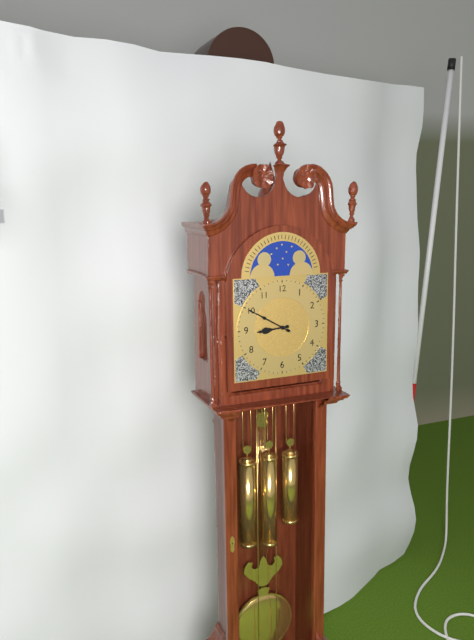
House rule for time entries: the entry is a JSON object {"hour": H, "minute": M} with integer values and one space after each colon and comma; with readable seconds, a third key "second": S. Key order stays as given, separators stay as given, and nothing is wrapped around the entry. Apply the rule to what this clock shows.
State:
{"hour": 8, "minute": 50}
